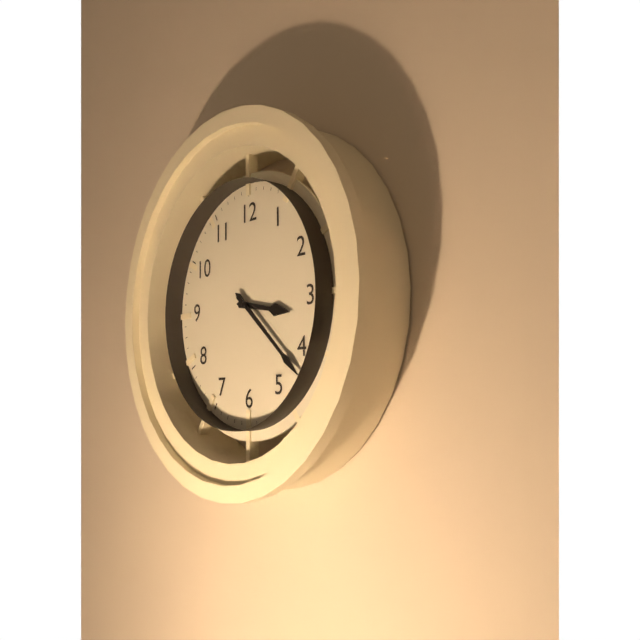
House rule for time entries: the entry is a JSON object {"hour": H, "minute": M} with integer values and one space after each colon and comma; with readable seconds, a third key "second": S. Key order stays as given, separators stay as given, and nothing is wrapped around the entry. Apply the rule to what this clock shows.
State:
{"hour": 3, "minute": 22}
